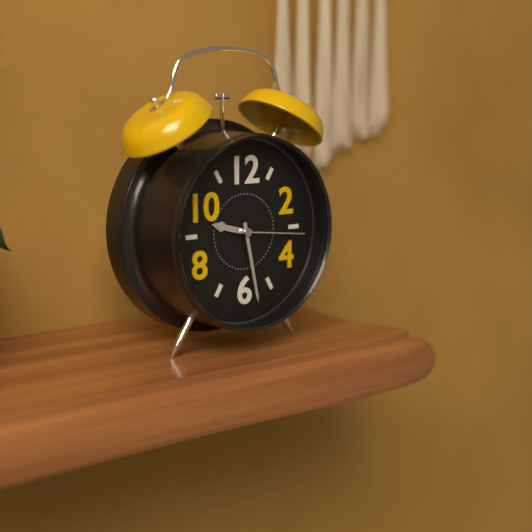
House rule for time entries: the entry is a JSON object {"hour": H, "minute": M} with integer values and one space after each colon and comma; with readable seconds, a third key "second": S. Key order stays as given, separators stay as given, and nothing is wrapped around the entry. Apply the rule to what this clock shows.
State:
{"hour": 9, "minute": 28, "second": 16}
